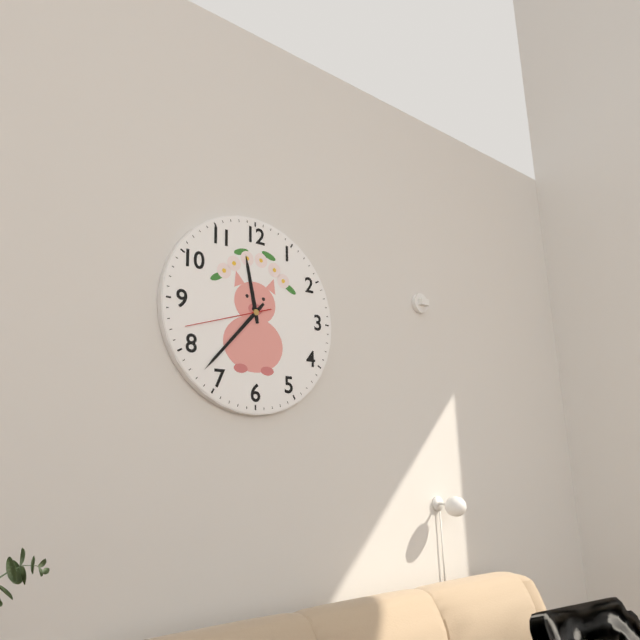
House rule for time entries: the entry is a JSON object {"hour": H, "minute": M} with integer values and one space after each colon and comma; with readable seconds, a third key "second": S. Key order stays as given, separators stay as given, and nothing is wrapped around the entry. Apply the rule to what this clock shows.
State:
{"hour": 11, "minute": 37, "second": 42}
